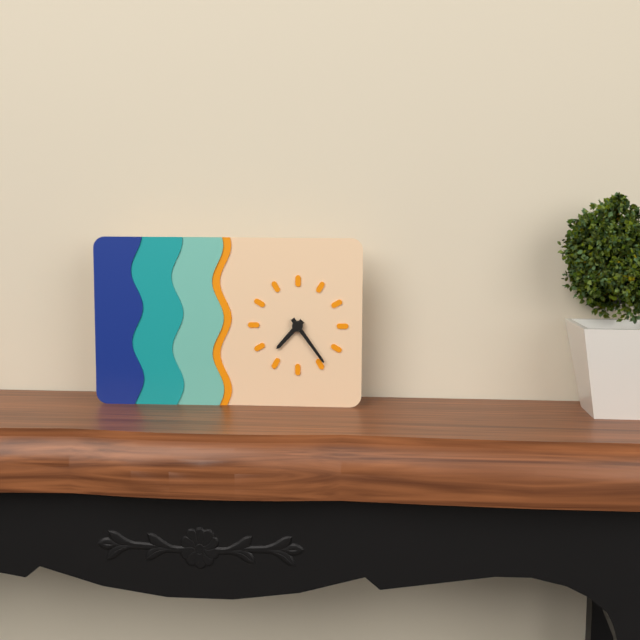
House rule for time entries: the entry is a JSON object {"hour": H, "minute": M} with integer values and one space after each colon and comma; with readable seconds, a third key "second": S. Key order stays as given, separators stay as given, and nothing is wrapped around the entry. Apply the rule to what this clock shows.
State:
{"hour": 7, "minute": 24}
